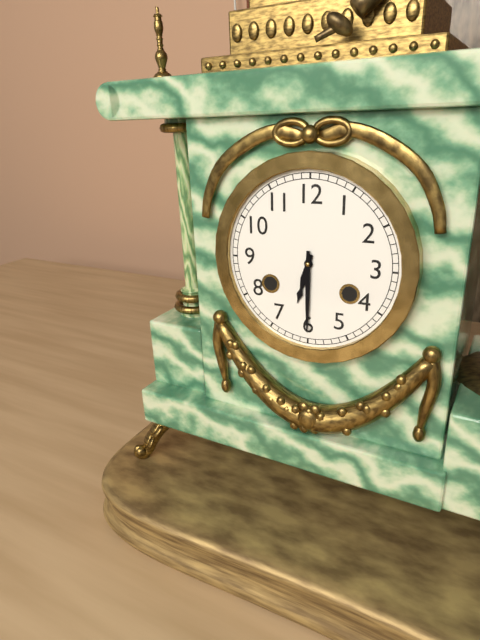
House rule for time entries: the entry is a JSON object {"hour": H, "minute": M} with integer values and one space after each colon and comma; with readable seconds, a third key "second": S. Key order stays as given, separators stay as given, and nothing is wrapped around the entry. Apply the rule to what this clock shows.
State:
{"hour": 6, "minute": 30}
